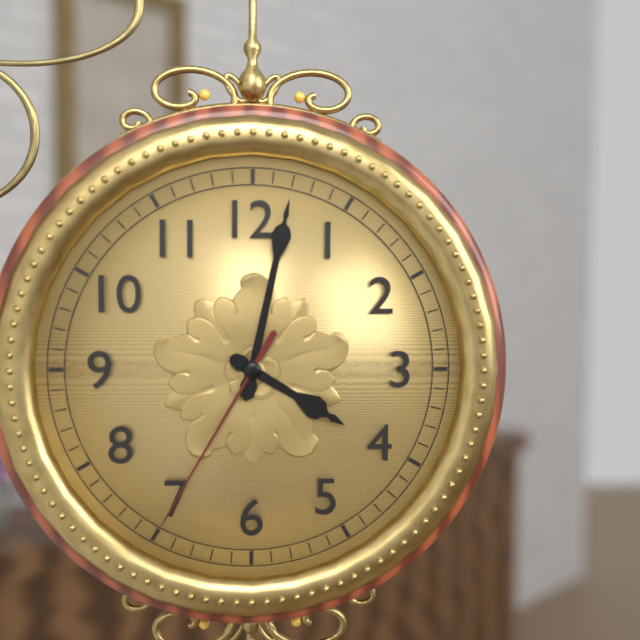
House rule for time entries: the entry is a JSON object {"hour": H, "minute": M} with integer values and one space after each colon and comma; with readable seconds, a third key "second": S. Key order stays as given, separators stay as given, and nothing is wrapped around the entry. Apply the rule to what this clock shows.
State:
{"hour": 4, "minute": 2, "second": 35}
